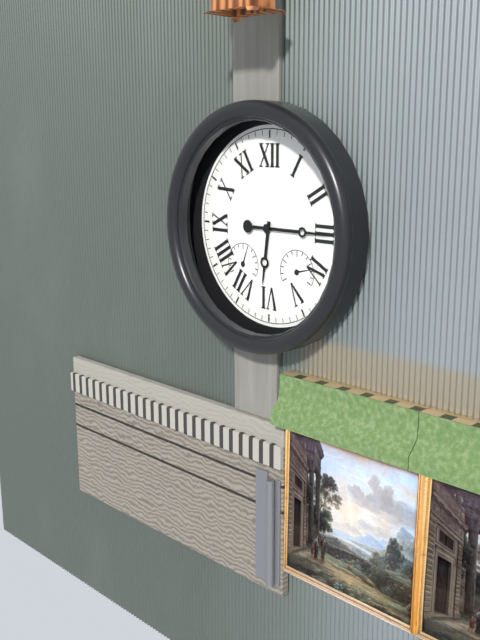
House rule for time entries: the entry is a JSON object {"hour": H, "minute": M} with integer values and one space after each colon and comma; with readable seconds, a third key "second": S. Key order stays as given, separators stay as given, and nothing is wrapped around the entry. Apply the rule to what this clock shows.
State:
{"hour": 6, "minute": 15}
